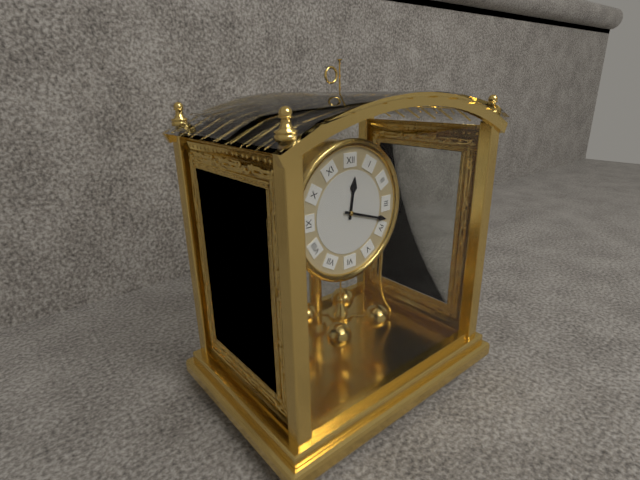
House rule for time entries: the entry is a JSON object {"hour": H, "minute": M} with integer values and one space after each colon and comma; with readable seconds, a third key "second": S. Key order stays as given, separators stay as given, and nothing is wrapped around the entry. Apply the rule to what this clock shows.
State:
{"hour": 12, "minute": 18}
